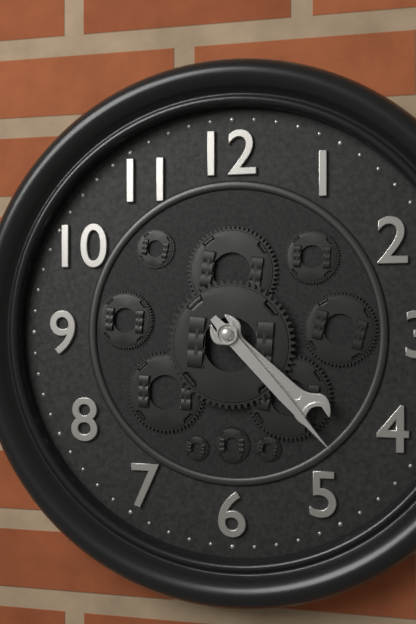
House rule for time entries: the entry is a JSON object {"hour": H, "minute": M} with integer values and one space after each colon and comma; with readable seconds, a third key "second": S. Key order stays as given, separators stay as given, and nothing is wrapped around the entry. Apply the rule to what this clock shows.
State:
{"hour": 4, "minute": 23}
